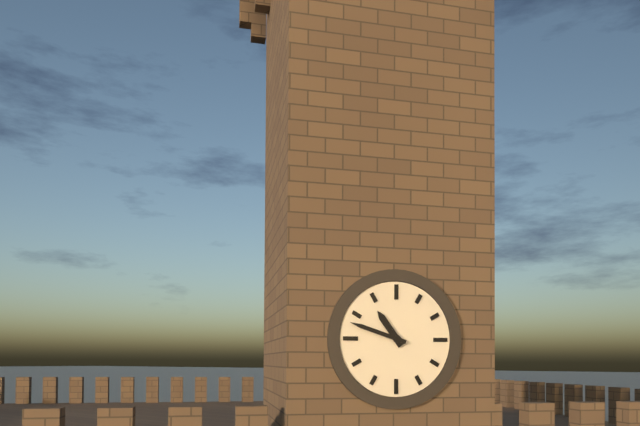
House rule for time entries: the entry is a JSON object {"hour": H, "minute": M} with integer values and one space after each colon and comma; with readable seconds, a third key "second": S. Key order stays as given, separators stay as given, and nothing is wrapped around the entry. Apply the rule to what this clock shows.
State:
{"hour": 10, "minute": 48}
